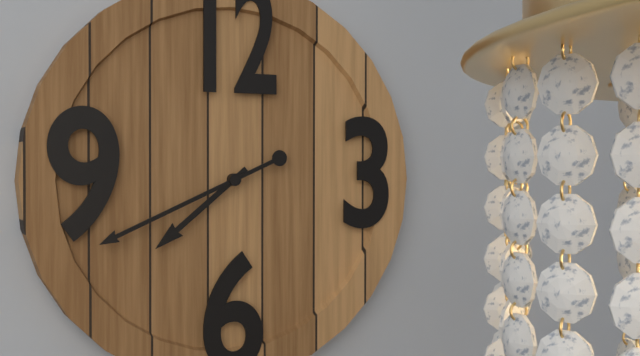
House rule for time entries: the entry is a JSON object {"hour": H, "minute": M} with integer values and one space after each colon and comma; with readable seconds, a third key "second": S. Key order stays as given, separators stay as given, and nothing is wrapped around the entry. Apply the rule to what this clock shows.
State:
{"hour": 7, "minute": 41}
